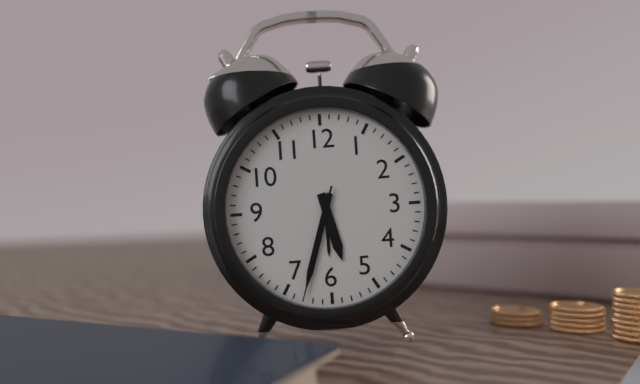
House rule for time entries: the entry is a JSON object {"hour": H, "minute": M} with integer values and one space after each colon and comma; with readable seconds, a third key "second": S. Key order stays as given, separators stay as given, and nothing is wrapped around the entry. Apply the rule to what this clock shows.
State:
{"hour": 5, "minute": 33, "second": 33}
